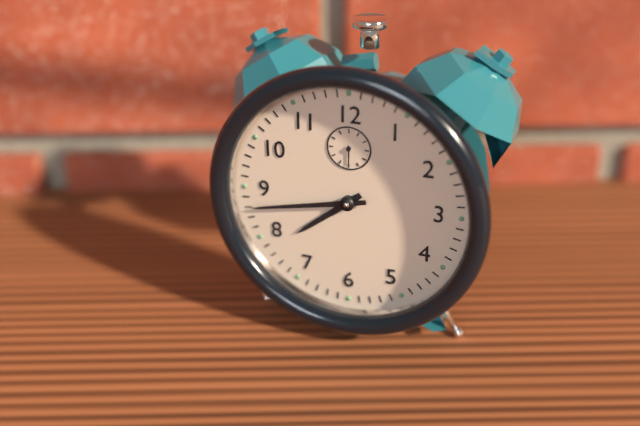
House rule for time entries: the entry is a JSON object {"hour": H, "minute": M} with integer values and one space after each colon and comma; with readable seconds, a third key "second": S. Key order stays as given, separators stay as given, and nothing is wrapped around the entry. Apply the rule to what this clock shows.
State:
{"hour": 7, "minute": 43}
